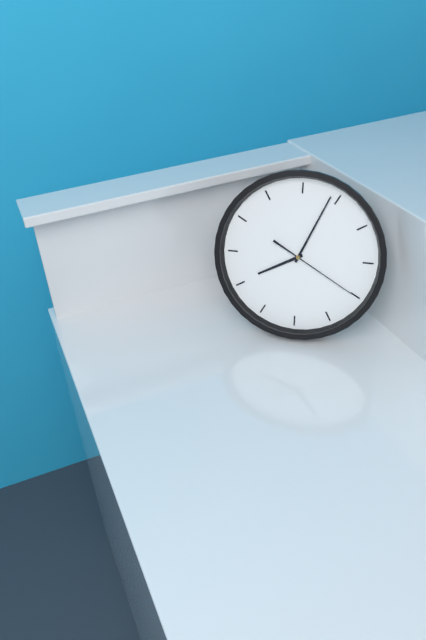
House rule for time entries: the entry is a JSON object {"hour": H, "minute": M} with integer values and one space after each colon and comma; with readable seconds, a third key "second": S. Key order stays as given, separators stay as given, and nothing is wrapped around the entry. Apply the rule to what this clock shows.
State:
{"hour": 8, "minute": 4, "second": 20}
